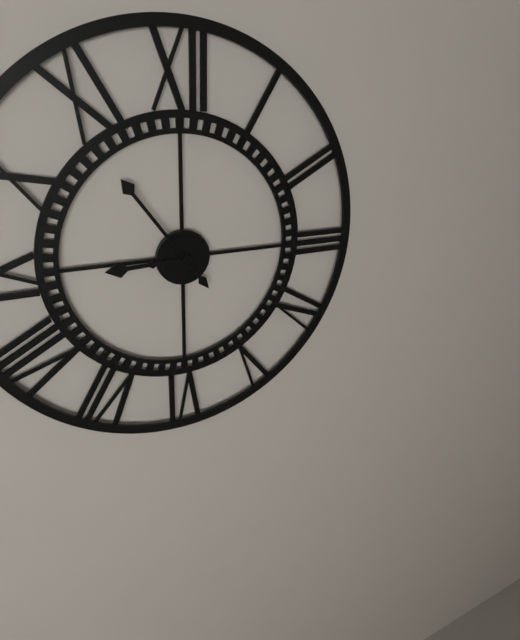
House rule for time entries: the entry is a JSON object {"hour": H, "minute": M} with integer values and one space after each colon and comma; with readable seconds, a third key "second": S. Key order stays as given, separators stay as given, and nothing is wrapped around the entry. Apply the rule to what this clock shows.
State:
{"hour": 8, "minute": 54}
